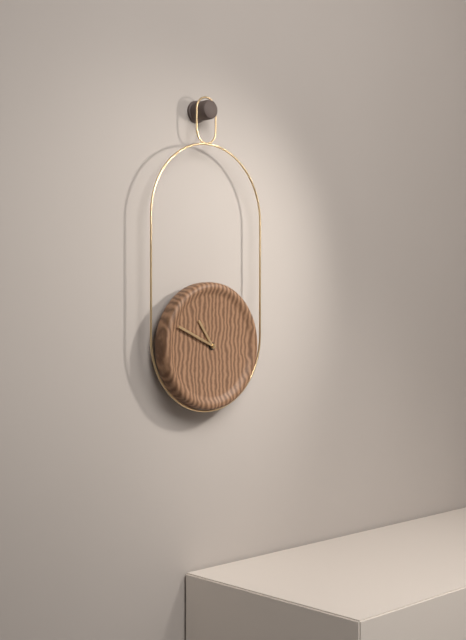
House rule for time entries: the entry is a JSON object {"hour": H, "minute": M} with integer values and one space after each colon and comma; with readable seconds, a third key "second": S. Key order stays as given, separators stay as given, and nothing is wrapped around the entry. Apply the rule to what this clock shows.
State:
{"hour": 10, "minute": 49}
